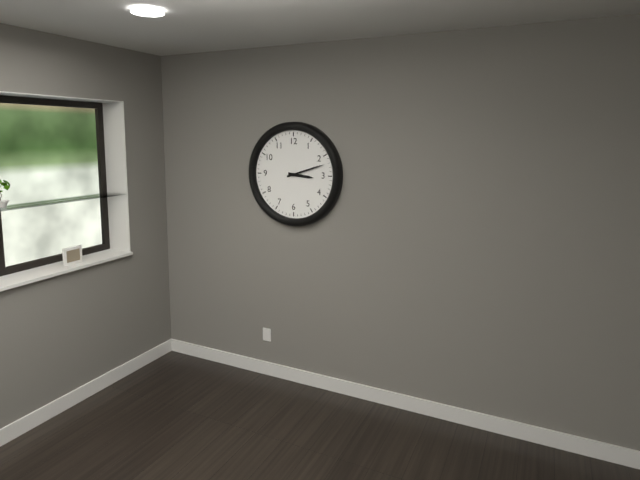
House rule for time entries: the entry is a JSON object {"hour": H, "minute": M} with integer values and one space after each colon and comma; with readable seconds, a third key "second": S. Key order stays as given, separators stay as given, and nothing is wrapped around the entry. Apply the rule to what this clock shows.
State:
{"hour": 3, "minute": 12}
